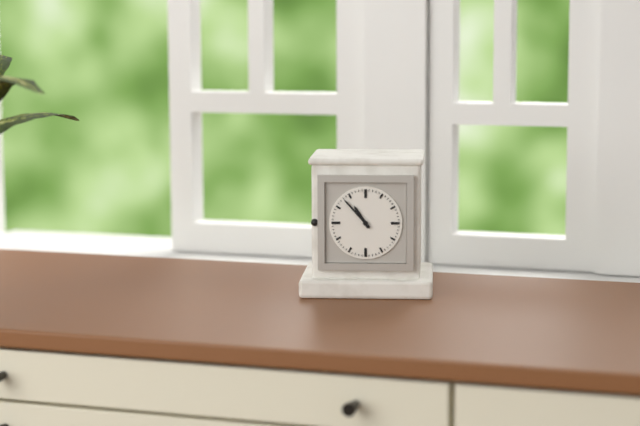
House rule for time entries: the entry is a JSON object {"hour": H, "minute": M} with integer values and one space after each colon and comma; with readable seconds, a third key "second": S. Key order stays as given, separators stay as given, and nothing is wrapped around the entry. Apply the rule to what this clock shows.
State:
{"hour": 10, "minute": 53}
